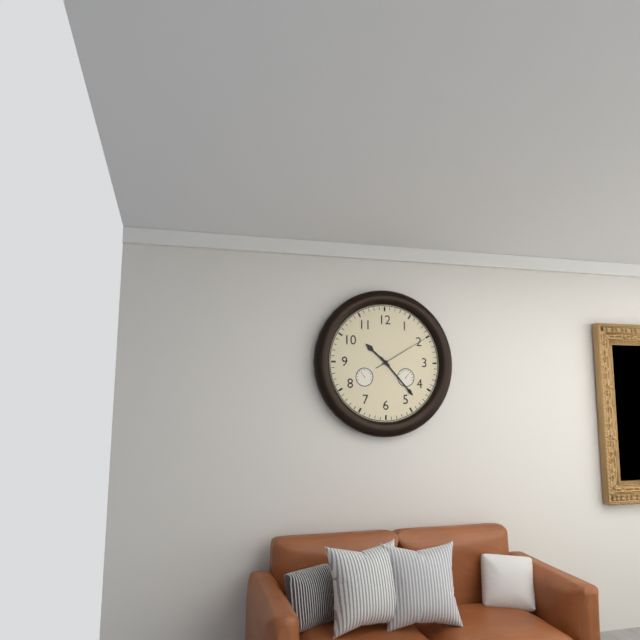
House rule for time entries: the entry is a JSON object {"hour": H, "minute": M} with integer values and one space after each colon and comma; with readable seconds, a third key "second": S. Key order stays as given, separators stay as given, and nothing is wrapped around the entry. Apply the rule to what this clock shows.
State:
{"hour": 10, "minute": 23, "second": 10}
